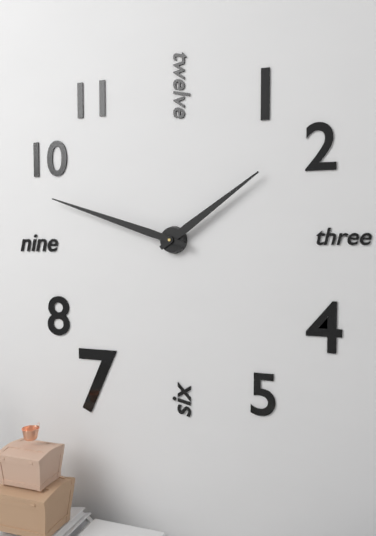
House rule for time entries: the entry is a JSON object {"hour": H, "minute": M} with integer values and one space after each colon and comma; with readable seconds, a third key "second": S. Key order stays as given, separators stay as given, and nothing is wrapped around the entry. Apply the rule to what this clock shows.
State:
{"hour": 1, "minute": 48}
